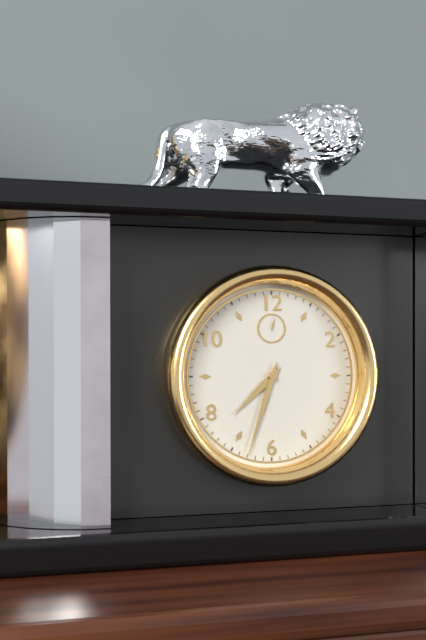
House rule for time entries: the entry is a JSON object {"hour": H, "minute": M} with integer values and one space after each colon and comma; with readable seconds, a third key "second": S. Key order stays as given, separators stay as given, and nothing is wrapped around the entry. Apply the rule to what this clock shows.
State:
{"hour": 7, "minute": 33}
